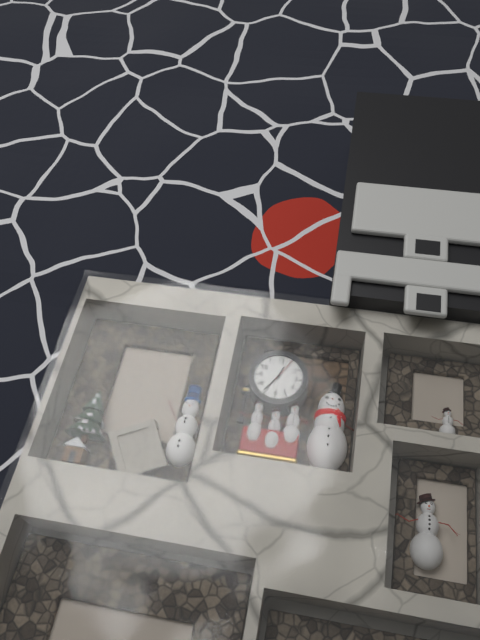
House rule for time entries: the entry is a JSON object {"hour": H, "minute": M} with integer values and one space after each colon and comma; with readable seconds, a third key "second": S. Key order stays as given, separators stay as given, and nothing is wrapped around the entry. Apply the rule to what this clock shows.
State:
{"hour": 12, "minute": 36}
